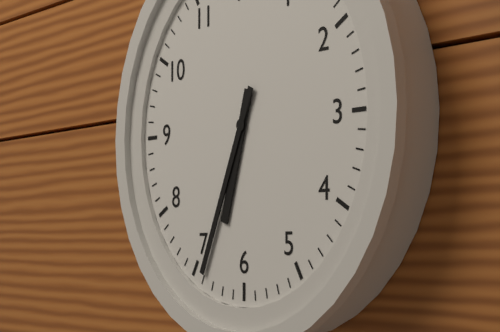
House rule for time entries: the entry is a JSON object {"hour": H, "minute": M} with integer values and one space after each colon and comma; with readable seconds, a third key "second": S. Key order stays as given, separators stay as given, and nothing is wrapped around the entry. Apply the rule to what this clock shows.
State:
{"hour": 6, "minute": 34}
